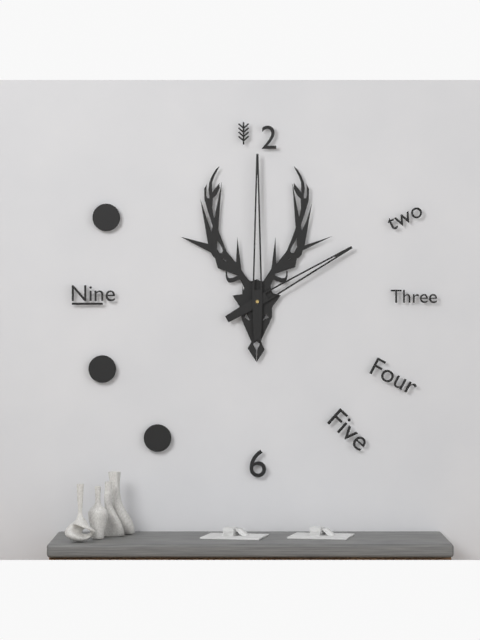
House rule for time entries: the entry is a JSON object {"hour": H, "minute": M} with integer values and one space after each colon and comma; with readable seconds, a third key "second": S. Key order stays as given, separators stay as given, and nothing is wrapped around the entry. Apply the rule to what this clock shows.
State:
{"hour": 2, "minute": 0}
